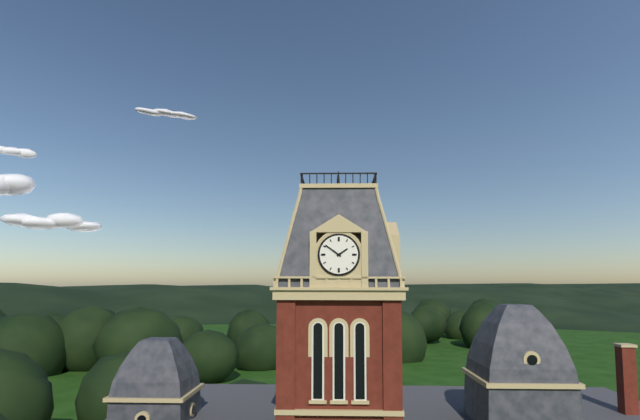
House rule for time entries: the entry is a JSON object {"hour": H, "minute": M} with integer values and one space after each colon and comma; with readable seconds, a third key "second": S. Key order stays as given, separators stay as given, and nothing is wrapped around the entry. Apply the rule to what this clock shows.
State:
{"hour": 1, "minute": 51}
